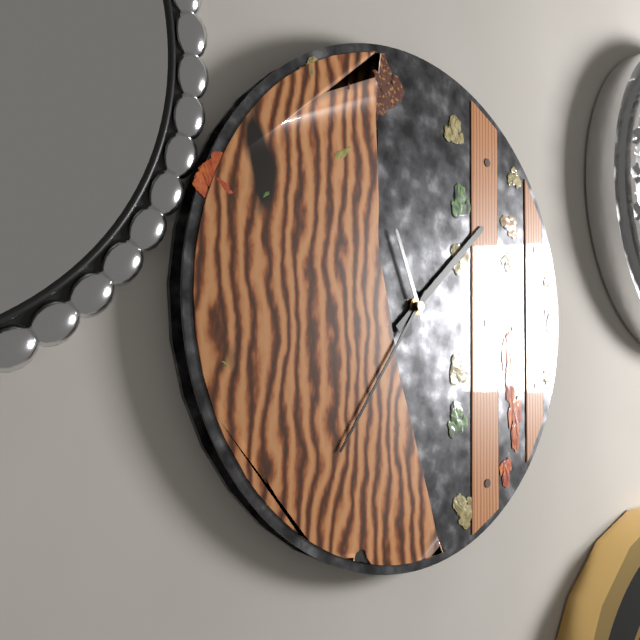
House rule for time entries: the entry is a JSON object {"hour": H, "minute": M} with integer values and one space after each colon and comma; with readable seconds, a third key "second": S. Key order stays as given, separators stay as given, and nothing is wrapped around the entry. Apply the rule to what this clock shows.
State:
{"hour": 1, "minute": 36, "second": 56}
